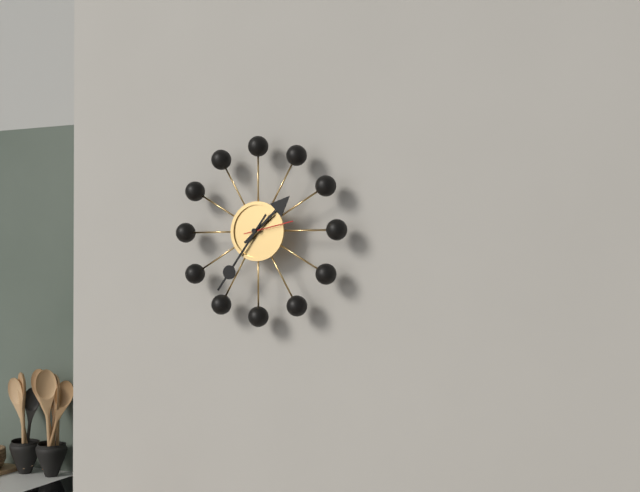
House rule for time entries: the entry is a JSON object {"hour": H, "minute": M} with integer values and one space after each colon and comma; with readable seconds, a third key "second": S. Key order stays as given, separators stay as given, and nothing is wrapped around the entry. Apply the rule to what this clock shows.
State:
{"hour": 1, "minute": 36}
